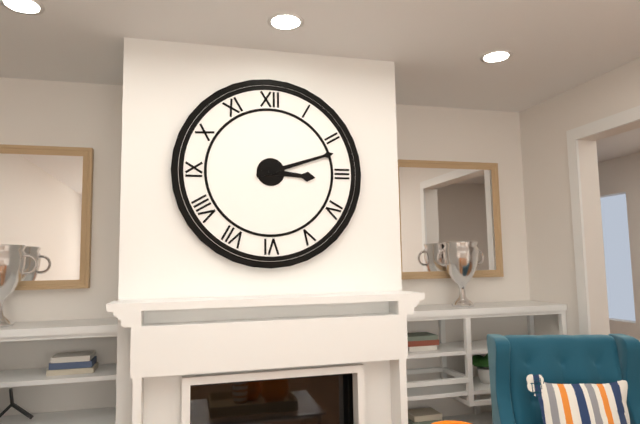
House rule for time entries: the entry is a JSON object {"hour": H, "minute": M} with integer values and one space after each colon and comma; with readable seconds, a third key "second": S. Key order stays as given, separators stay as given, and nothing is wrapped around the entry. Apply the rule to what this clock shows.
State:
{"hour": 3, "minute": 12}
